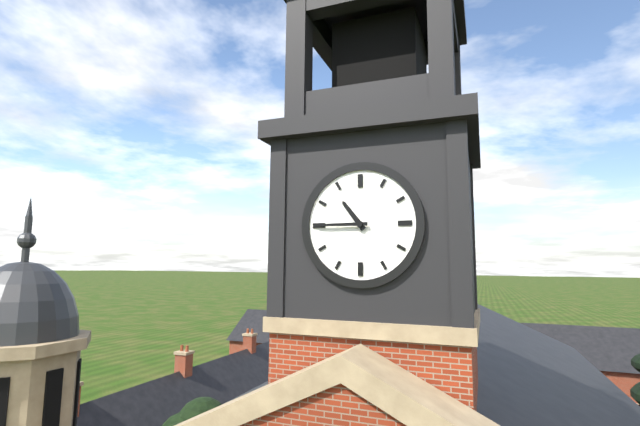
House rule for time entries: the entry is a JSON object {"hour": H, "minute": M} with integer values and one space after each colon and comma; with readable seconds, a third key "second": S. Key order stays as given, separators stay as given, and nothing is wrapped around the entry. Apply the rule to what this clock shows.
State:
{"hour": 10, "minute": 45}
